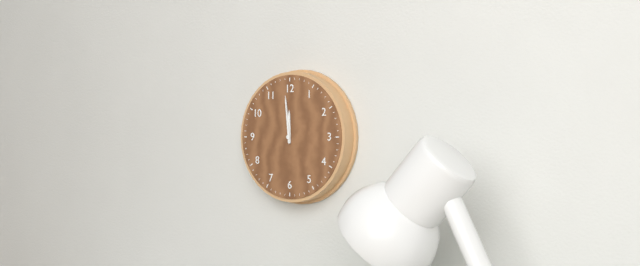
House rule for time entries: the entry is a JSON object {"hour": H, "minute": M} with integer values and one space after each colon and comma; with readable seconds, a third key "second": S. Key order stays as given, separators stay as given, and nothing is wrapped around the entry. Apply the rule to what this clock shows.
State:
{"hour": 11, "minute": 59}
